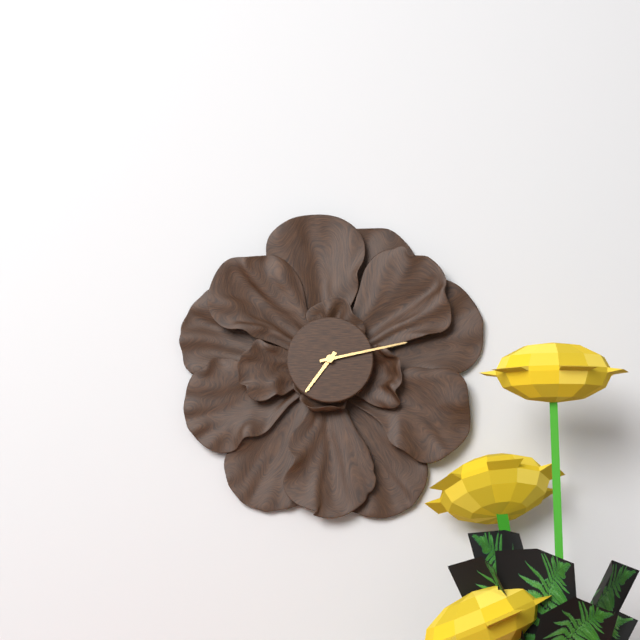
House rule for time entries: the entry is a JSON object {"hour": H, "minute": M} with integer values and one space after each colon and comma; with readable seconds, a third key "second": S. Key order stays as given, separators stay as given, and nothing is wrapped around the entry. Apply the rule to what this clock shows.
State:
{"hour": 7, "minute": 13}
